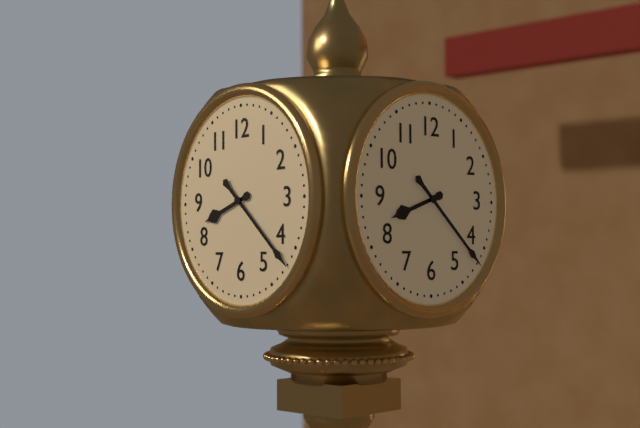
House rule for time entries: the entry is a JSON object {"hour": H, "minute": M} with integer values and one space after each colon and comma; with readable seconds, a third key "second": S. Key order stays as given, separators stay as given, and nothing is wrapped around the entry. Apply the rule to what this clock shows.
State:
{"hour": 8, "minute": 22}
